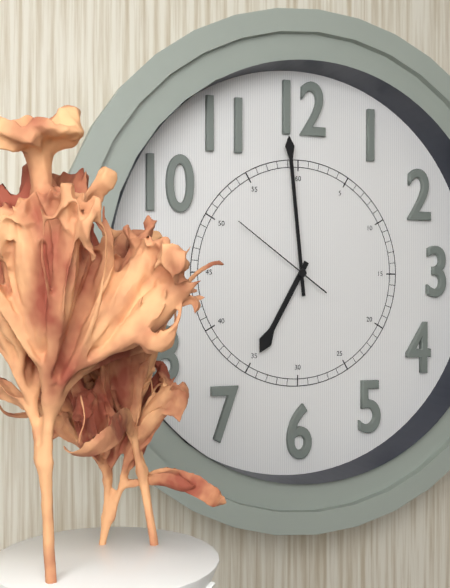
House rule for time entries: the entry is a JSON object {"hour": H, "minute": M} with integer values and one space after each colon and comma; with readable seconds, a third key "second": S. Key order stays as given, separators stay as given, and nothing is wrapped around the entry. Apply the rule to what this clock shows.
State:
{"hour": 6, "minute": 59, "second": 51}
